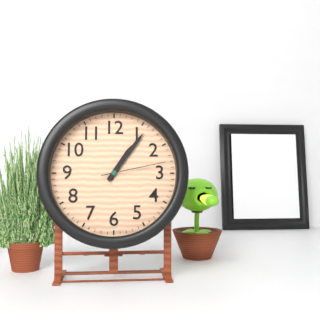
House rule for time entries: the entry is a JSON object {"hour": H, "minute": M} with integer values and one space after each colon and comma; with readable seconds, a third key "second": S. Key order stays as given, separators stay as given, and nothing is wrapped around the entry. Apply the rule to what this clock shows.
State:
{"hour": 1, "minute": 6, "second": 13}
